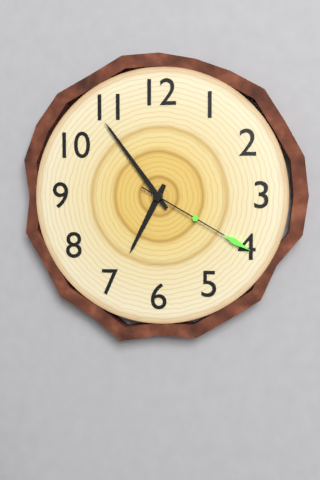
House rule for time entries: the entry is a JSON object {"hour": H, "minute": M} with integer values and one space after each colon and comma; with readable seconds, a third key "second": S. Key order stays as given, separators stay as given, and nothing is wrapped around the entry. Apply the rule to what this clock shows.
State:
{"hour": 6, "minute": 54, "second": 20}
